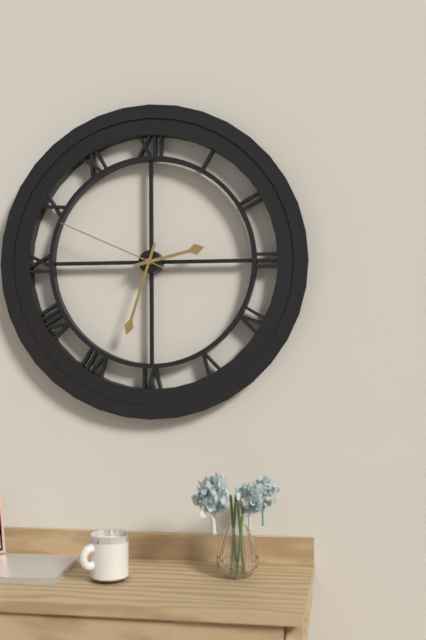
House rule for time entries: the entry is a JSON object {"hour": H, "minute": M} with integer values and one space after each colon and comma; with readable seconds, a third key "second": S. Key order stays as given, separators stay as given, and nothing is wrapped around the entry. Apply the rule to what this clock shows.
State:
{"hour": 2, "minute": 33, "second": 49}
